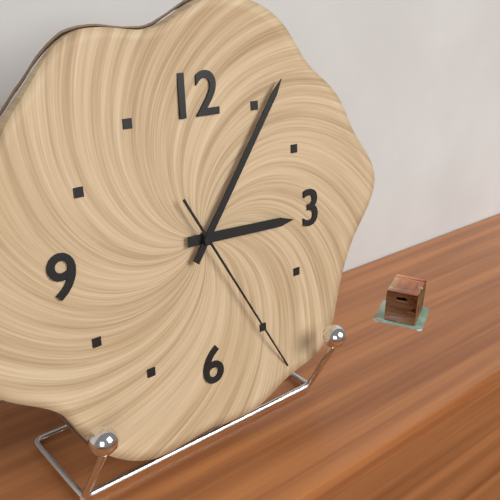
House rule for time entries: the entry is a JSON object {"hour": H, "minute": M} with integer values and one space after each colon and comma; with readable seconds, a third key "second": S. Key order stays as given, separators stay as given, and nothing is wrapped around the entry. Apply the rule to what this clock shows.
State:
{"hour": 3, "minute": 6, "second": 25}
